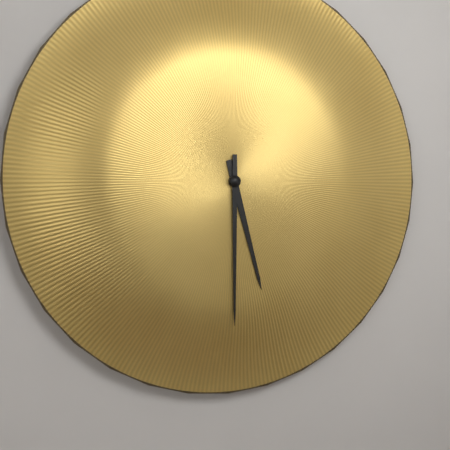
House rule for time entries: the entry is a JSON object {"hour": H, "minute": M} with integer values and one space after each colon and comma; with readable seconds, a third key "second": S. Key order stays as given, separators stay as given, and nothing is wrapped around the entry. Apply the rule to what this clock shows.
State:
{"hour": 5, "minute": 30}
